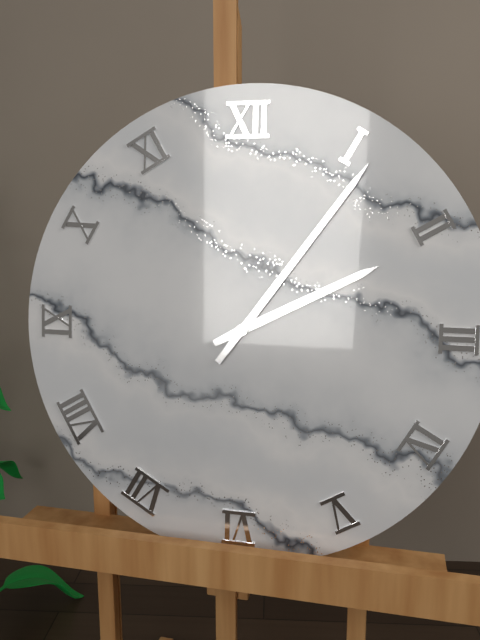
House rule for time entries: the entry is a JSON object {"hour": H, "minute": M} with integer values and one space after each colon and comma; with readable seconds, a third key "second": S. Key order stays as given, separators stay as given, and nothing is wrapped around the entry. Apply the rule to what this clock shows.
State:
{"hour": 2, "minute": 6}
